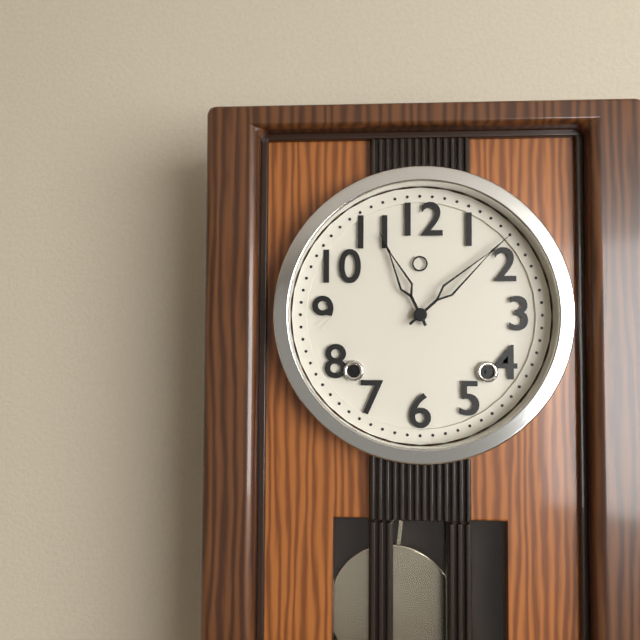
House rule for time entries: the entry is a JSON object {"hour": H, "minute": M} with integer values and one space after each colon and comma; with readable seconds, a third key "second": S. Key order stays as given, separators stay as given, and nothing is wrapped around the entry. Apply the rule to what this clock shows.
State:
{"hour": 11, "minute": 8}
